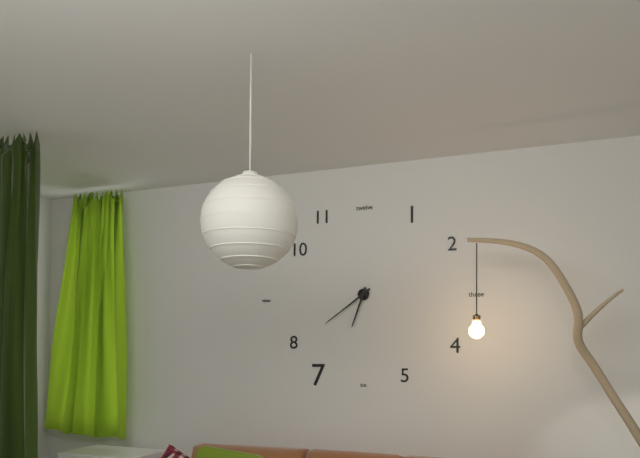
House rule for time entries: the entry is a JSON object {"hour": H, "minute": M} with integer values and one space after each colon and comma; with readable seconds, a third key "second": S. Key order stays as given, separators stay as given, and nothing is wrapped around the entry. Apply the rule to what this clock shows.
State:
{"hour": 6, "minute": 39}
